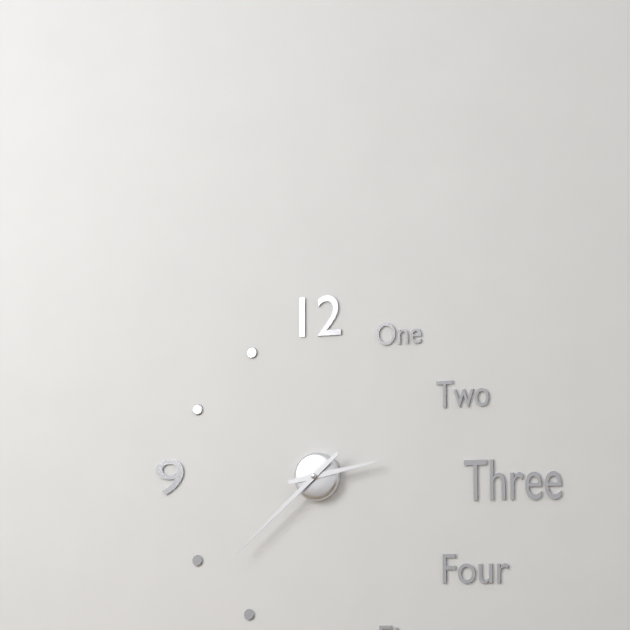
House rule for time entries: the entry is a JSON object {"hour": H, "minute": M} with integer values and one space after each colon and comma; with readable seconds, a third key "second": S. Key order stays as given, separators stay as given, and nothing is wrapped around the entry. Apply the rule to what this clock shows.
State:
{"hour": 2, "minute": 38}
